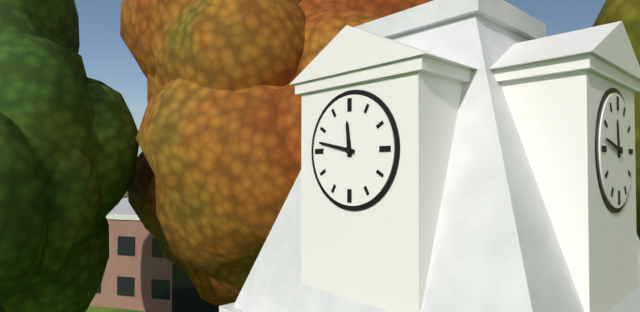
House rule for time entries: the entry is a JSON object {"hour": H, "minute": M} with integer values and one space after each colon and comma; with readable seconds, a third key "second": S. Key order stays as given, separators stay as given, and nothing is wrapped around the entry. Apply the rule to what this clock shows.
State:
{"hour": 11, "minute": 47}
